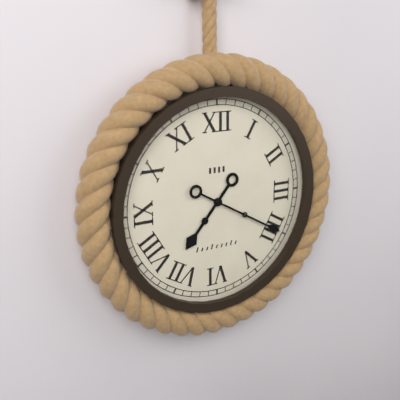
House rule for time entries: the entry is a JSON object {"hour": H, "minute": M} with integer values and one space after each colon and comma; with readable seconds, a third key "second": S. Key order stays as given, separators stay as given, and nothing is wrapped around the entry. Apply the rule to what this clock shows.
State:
{"hour": 7, "minute": 20}
